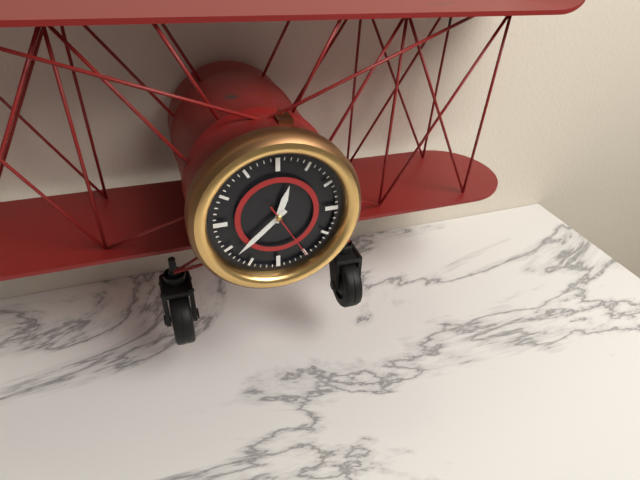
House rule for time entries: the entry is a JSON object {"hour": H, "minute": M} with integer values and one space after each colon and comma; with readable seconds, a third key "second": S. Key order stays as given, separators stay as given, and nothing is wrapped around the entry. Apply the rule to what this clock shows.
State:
{"hour": 12, "minute": 38, "second": 25}
